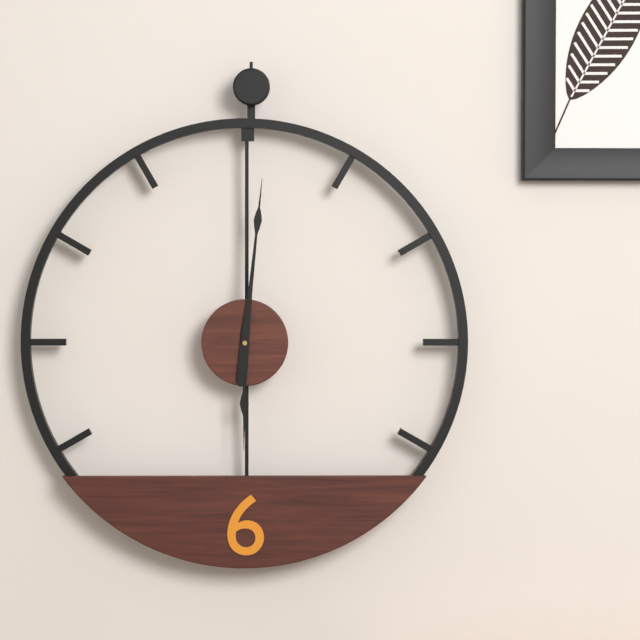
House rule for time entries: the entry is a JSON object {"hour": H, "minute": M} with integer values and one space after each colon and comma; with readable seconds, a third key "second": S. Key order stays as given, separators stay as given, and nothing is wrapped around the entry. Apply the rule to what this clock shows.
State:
{"hour": 6, "minute": 1}
